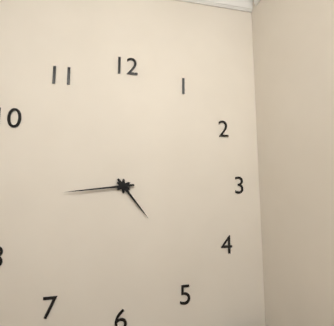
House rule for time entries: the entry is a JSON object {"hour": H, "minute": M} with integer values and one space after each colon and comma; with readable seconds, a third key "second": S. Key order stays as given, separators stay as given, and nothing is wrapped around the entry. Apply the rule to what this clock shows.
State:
{"hour": 4, "minute": 44}
